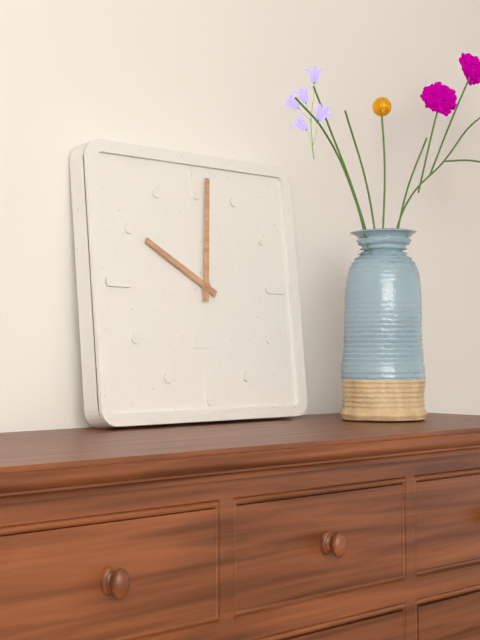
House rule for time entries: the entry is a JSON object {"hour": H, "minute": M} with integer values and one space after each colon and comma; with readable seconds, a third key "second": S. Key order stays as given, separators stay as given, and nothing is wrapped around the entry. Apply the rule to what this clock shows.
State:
{"hour": 10, "minute": 1}
